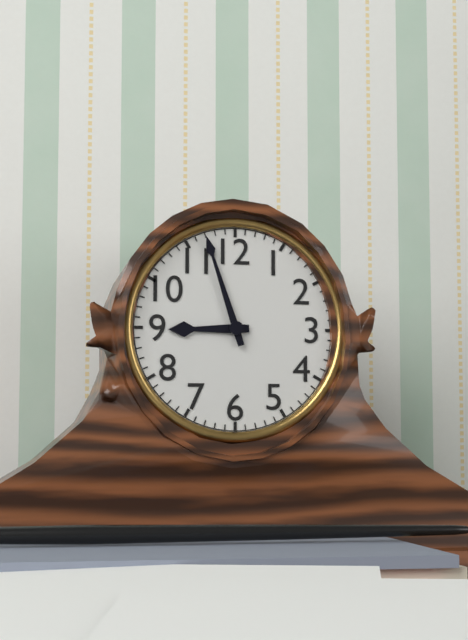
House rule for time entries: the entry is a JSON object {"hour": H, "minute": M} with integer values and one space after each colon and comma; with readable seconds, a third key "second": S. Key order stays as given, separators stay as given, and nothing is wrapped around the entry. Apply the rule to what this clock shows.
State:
{"hour": 8, "minute": 57}
